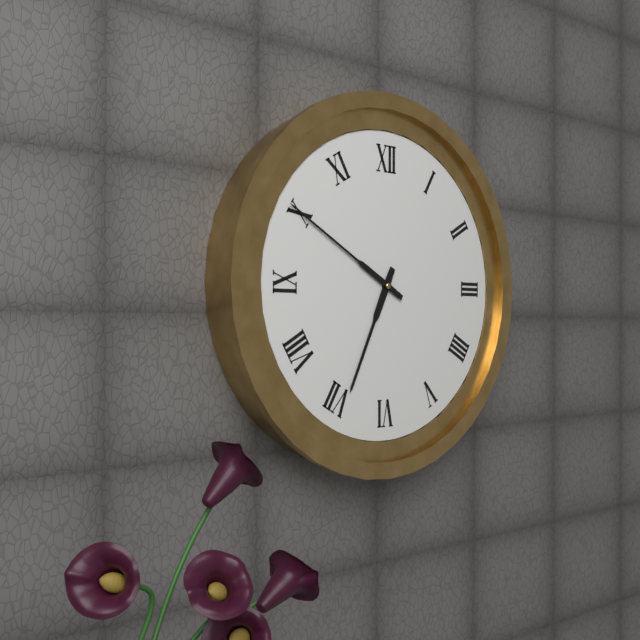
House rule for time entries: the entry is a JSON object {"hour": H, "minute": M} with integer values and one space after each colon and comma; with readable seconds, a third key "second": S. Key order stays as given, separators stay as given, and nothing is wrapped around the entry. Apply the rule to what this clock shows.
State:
{"hour": 6, "minute": 50}
